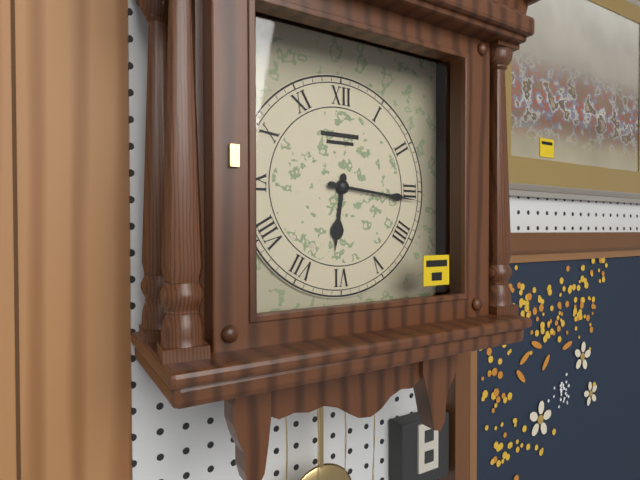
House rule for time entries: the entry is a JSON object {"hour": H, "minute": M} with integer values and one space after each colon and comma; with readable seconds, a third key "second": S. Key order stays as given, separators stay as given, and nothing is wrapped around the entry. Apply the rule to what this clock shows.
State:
{"hour": 6, "minute": 16}
